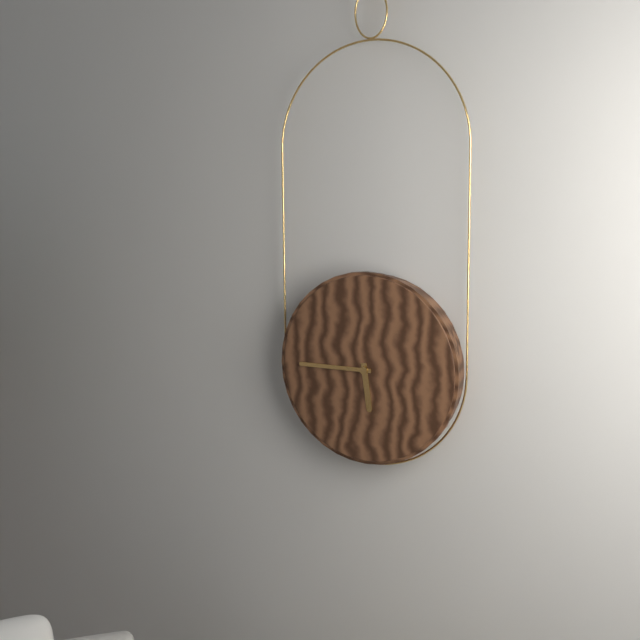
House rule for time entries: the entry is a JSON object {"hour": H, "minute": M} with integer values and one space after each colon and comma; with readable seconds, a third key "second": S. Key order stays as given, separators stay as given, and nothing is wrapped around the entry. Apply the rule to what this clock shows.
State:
{"hour": 5, "minute": 45}
